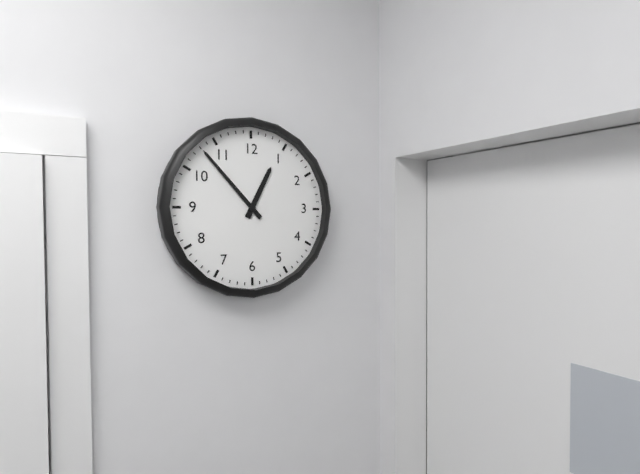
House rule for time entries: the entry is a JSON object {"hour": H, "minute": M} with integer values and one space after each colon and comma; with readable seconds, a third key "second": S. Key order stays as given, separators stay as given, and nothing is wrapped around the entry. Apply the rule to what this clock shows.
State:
{"hour": 12, "minute": 53}
